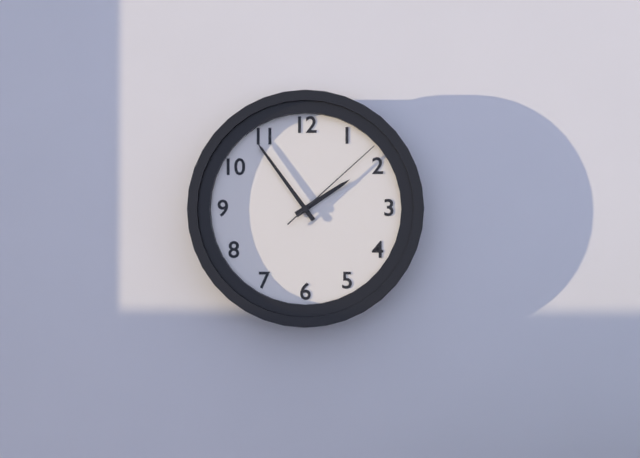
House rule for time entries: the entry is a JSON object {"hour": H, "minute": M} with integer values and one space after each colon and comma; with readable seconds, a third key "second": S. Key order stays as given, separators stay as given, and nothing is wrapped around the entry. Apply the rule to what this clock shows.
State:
{"hour": 1, "minute": 54, "second": 8}
